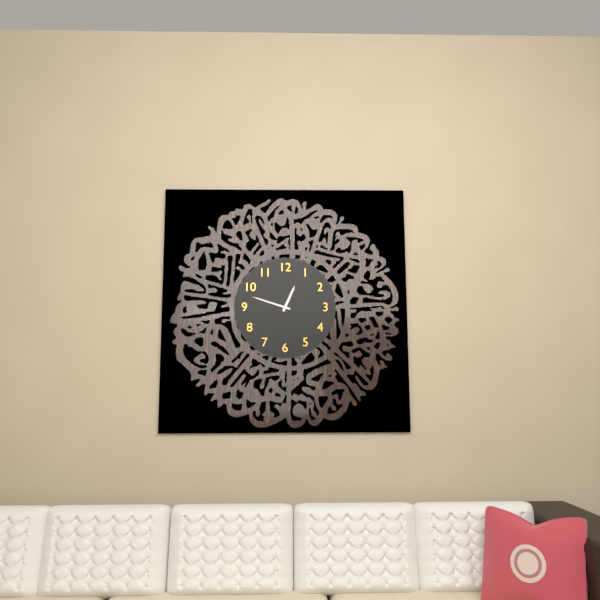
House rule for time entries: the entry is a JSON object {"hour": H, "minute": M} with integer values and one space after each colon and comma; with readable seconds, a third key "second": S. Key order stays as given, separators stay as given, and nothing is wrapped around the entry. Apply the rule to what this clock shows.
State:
{"hour": 12, "minute": 48}
